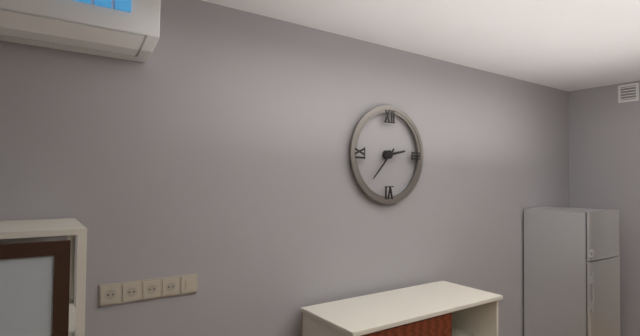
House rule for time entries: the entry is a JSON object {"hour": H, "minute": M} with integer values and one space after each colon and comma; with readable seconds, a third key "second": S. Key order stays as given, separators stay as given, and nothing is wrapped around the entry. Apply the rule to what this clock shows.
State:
{"hour": 2, "minute": 37}
